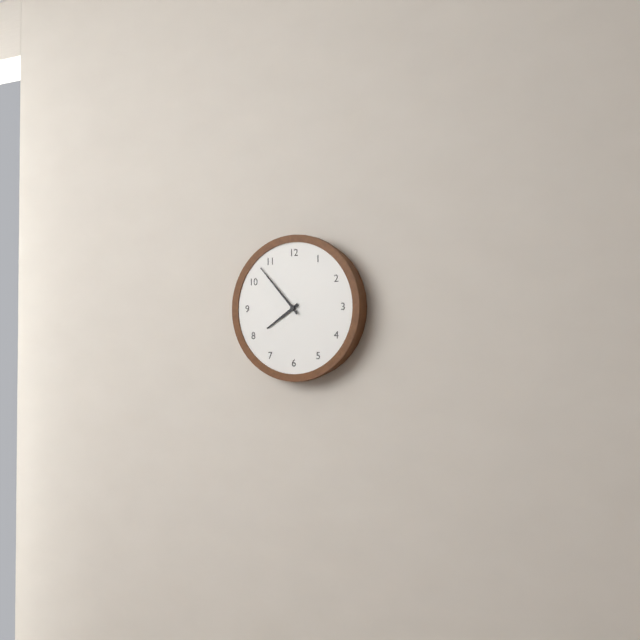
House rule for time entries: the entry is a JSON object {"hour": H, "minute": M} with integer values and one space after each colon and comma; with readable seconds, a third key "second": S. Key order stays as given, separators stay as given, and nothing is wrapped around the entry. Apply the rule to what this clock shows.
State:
{"hour": 7, "minute": 53}
